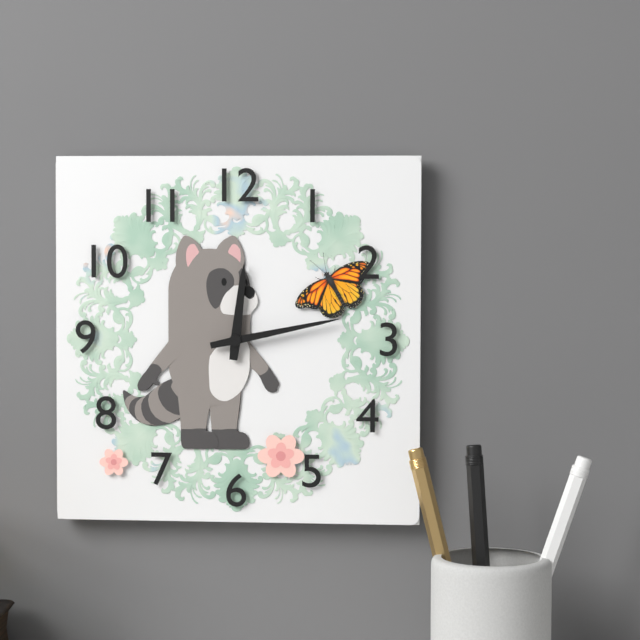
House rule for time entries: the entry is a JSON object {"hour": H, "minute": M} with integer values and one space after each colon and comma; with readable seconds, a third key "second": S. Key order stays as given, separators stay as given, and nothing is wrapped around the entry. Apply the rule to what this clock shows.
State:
{"hour": 12, "minute": 13}
